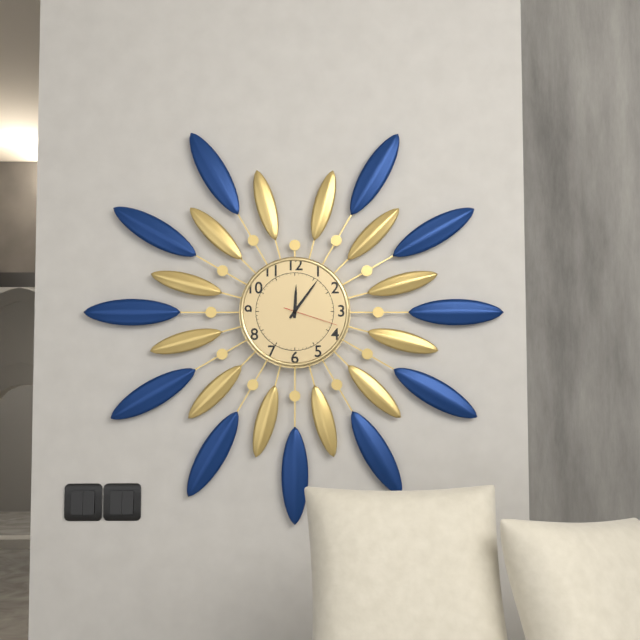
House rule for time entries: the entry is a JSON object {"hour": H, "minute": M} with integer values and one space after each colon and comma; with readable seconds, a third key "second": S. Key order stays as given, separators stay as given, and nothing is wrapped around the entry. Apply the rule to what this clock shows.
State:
{"hour": 12, "minute": 6, "second": 18}
